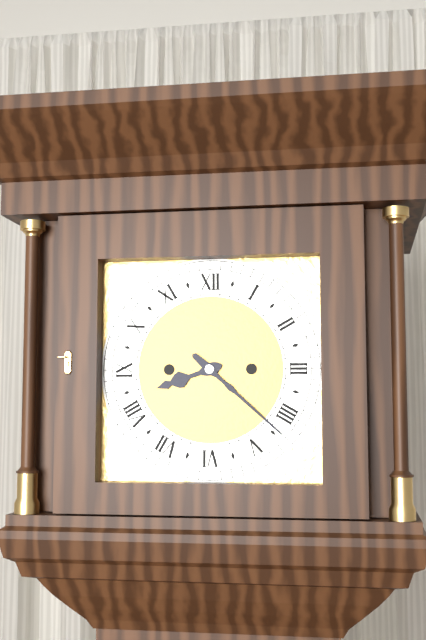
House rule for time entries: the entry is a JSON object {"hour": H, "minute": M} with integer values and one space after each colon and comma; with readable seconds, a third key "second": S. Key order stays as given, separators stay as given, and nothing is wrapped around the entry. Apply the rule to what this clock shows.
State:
{"hour": 8, "minute": 22}
